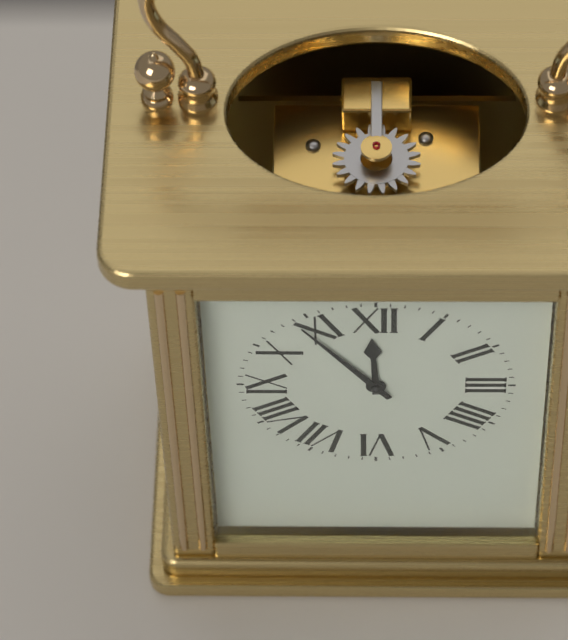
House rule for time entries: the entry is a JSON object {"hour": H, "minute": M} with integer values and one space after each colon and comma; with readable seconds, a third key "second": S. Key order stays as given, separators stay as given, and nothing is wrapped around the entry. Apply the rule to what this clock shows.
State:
{"hour": 11, "minute": 54}
